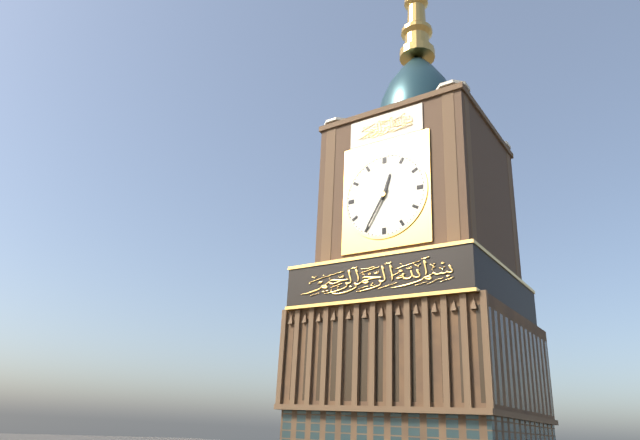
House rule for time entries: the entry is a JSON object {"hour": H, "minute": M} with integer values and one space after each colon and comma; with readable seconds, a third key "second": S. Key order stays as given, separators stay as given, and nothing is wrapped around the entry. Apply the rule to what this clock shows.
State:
{"hour": 12, "minute": 35}
